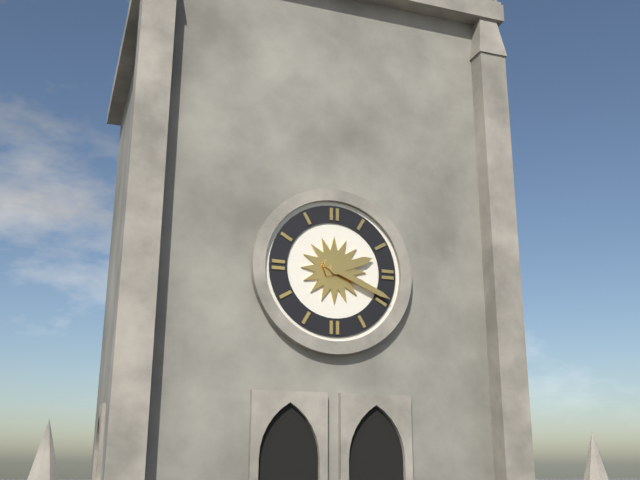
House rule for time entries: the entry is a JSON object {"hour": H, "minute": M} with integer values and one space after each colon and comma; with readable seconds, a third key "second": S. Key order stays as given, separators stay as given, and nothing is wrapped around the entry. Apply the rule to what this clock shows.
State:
{"hour": 2, "minute": 19}
